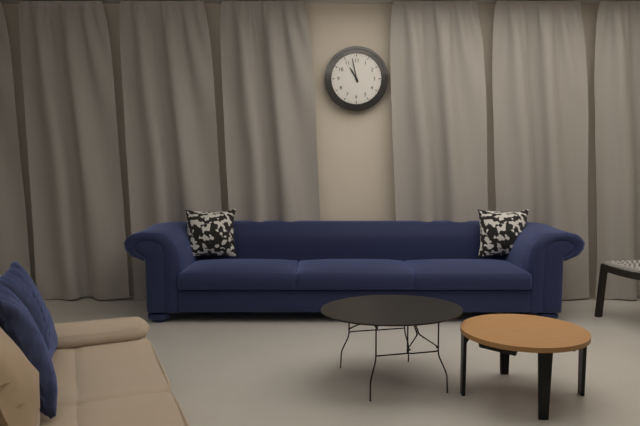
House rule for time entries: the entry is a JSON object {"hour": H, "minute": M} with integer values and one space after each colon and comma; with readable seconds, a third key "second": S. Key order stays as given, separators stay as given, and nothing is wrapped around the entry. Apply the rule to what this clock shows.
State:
{"hour": 10, "minute": 58}
